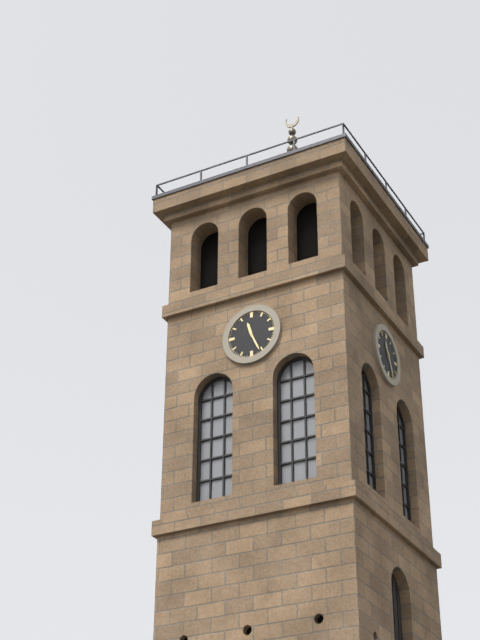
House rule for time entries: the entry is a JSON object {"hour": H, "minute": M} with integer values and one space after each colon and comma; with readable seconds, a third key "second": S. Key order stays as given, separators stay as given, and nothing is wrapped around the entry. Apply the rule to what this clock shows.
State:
{"hour": 11, "minute": 26}
